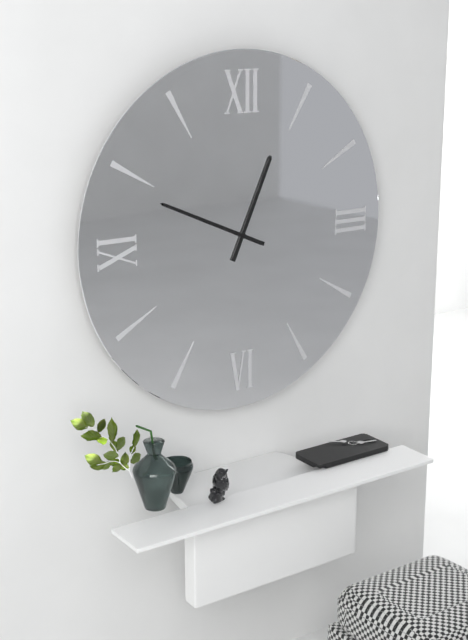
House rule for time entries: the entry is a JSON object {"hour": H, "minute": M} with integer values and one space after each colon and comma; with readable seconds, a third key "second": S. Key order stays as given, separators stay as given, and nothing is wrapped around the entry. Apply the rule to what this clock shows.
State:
{"hour": 12, "minute": 49}
